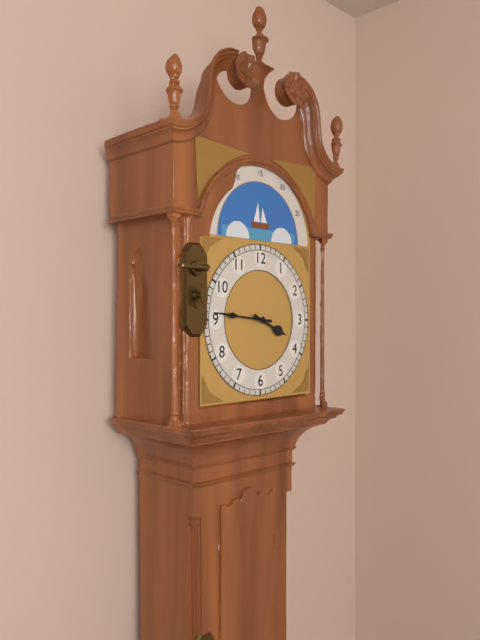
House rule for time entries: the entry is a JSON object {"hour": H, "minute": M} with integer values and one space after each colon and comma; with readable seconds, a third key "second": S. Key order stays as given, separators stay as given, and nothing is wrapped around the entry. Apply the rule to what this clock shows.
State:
{"hour": 3, "minute": 46}
